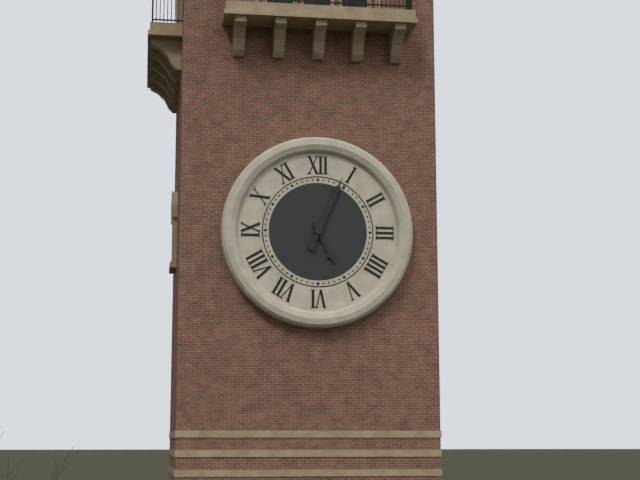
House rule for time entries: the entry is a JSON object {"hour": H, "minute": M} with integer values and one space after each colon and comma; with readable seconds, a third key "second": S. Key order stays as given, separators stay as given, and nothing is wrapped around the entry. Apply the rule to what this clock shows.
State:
{"hour": 5, "minute": 4}
